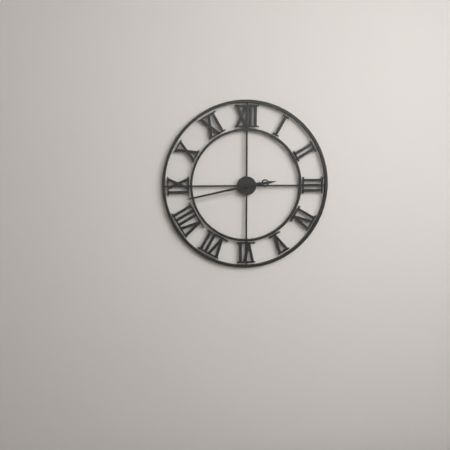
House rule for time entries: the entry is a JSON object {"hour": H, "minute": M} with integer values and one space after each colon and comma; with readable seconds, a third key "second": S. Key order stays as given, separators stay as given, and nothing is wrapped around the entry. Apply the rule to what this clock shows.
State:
{"hour": 2, "minute": 43}
